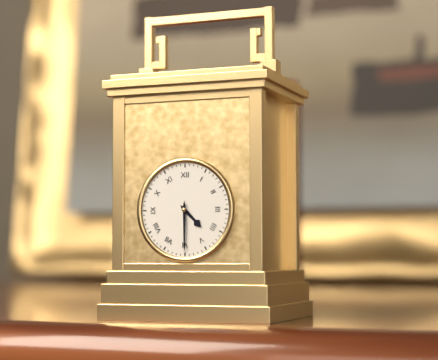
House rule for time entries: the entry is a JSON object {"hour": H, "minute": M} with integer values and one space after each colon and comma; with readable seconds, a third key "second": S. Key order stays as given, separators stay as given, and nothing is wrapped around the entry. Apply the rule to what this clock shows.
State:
{"hour": 4, "minute": 30}
